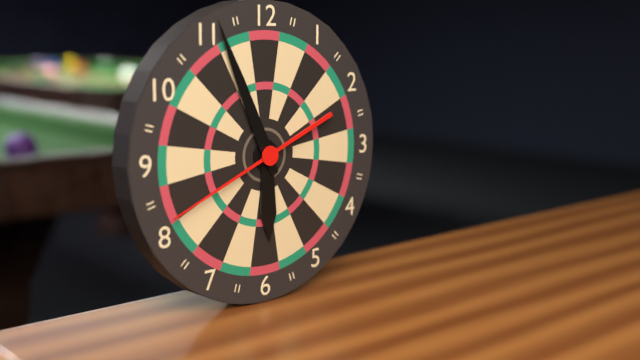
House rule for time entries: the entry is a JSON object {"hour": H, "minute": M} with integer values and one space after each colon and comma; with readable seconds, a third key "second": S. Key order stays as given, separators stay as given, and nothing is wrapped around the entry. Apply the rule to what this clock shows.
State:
{"hour": 5, "minute": 56, "second": 41}
